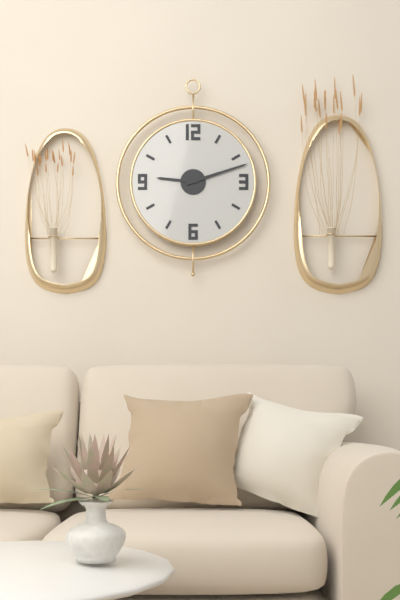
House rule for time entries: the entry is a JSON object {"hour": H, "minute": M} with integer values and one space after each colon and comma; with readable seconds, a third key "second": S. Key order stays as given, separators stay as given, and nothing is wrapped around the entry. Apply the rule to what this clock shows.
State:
{"hour": 9, "minute": 12}
